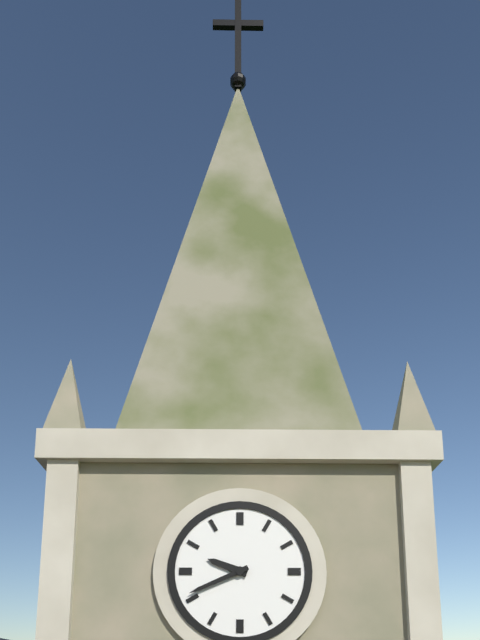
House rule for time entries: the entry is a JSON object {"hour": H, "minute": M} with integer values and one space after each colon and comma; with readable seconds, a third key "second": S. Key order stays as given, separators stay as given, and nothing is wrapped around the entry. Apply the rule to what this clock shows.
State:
{"hour": 9, "minute": 41}
